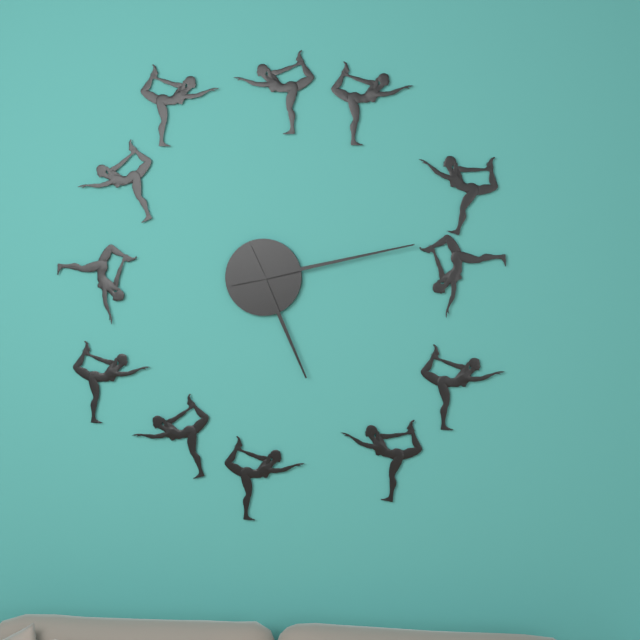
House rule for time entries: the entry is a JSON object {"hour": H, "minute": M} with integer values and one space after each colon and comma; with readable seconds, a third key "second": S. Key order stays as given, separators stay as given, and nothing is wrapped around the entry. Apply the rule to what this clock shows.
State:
{"hour": 5, "minute": 13}
